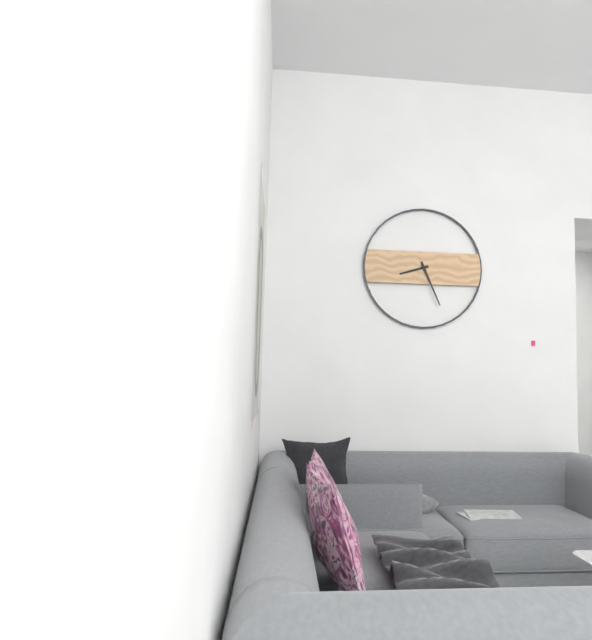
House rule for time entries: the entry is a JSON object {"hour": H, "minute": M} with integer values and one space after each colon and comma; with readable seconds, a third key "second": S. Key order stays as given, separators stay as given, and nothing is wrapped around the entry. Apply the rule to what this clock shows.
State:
{"hour": 8, "minute": 26}
